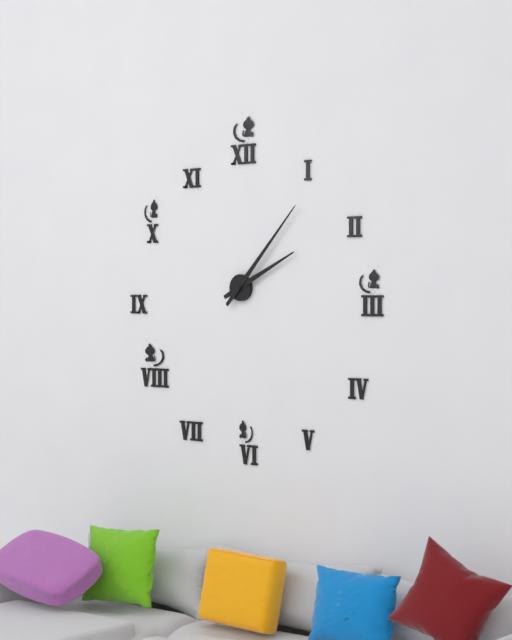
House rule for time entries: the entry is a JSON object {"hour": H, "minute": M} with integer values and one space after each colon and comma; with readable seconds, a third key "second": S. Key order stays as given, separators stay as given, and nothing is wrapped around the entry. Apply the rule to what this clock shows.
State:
{"hour": 2, "minute": 7}
